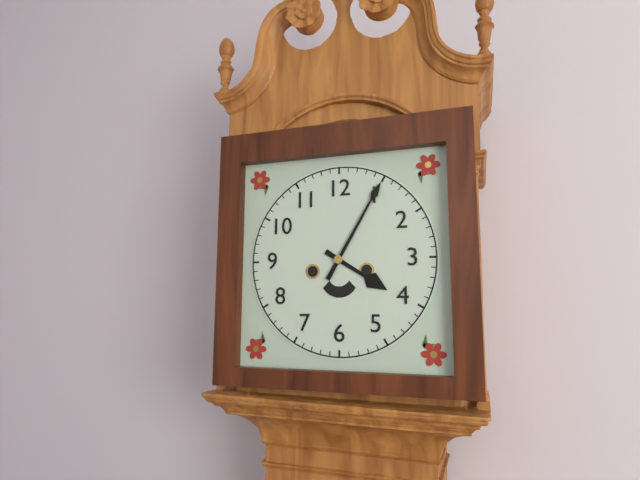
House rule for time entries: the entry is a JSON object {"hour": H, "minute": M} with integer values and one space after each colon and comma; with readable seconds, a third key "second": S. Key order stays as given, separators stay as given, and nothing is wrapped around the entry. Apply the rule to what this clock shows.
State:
{"hour": 4, "minute": 5}
